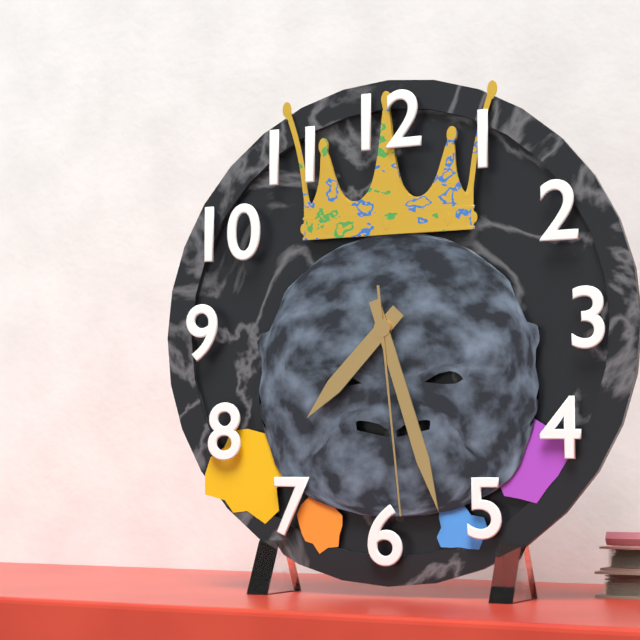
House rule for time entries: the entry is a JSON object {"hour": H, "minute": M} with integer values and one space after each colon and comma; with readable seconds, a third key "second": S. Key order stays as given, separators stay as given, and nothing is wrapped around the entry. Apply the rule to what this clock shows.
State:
{"hour": 7, "minute": 27, "second": 29}
